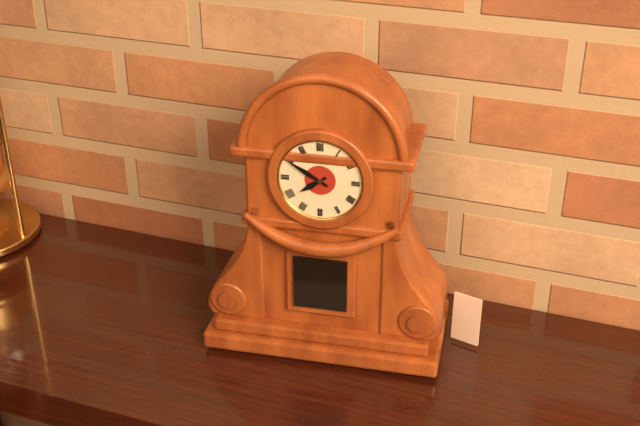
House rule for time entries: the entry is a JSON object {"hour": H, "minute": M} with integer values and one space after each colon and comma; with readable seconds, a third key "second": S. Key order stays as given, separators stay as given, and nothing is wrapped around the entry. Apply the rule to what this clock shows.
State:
{"hour": 7, "minute": 50}
